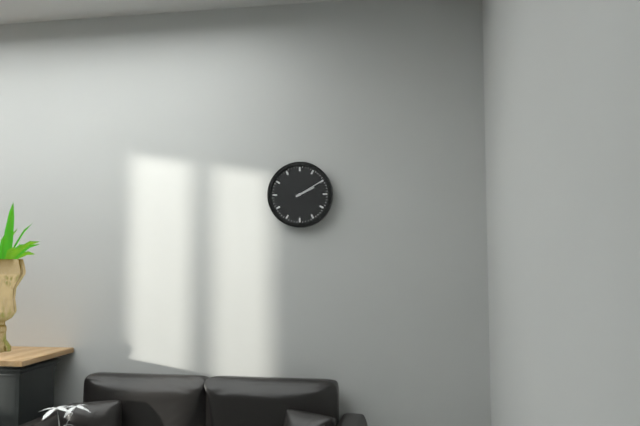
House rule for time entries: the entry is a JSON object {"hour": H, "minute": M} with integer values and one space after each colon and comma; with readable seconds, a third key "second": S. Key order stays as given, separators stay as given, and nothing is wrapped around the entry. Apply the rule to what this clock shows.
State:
{"hour": 2, "minute": 10}
